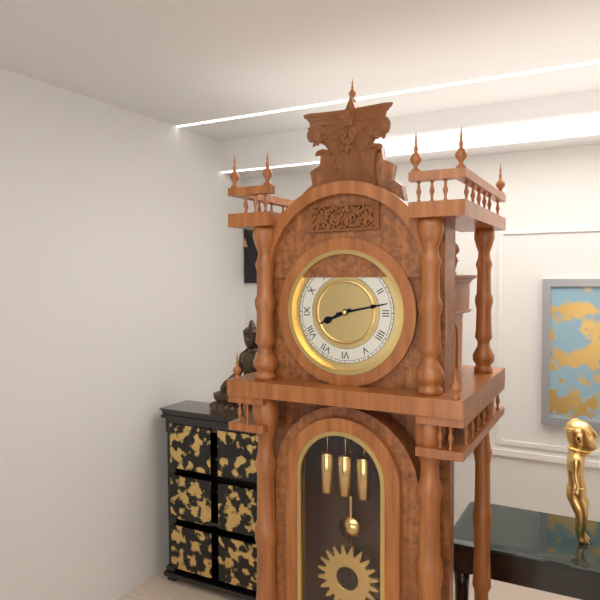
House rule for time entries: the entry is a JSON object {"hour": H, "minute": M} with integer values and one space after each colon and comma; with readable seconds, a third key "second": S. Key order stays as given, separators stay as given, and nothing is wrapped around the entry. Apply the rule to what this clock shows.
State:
{"hour": 8, "minute": 13}
